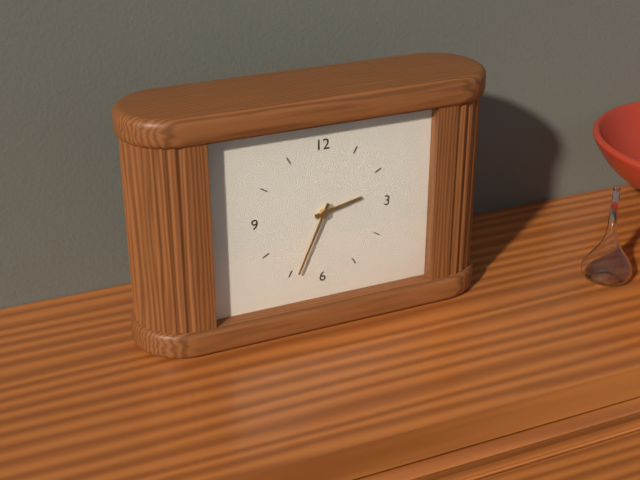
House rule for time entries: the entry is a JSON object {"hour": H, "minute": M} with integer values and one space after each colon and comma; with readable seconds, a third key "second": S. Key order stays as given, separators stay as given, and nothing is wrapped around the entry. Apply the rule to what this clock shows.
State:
{"hour": 2, "minute": 34}
